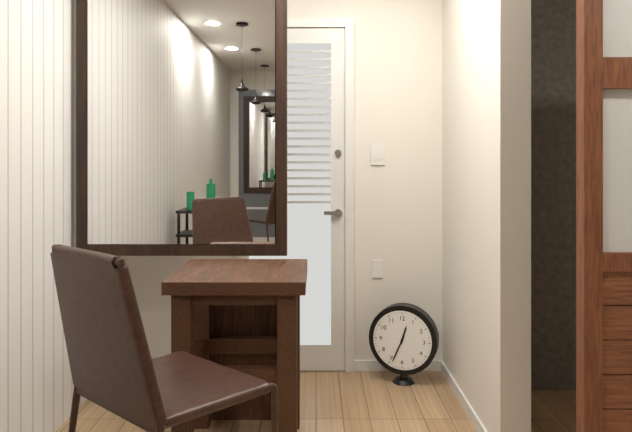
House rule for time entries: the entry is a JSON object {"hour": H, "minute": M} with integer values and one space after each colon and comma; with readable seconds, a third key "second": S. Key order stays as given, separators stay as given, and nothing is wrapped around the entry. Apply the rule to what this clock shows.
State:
{"hour": 12, "minute": 34}
